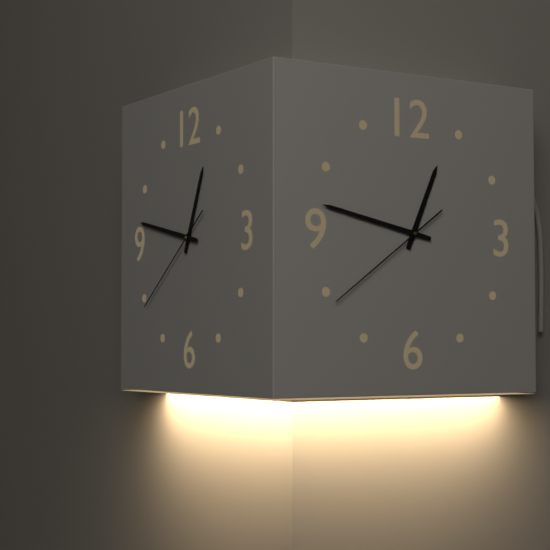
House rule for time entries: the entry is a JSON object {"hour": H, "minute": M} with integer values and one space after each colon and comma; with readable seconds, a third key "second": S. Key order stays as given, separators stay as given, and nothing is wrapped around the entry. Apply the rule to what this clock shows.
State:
{"hour": 12, "minute": 47, "second": 39}
